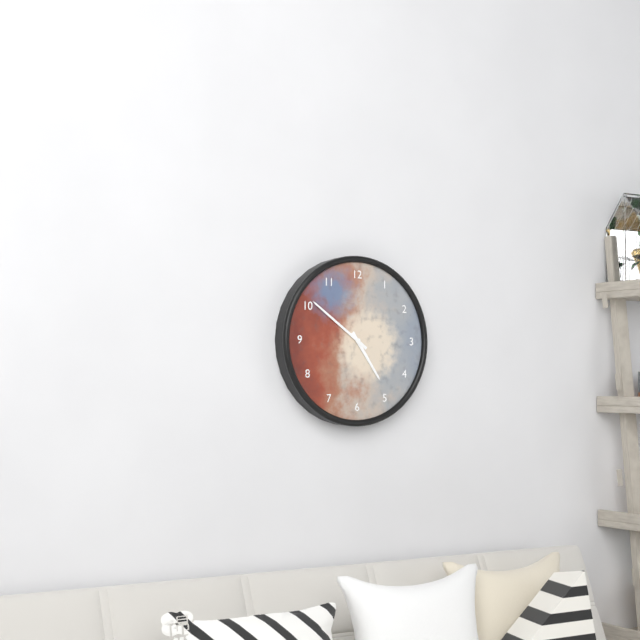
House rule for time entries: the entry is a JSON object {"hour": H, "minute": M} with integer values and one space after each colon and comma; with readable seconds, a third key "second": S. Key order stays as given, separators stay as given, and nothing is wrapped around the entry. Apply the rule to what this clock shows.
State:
{"hour": 4, "minute": 51}
